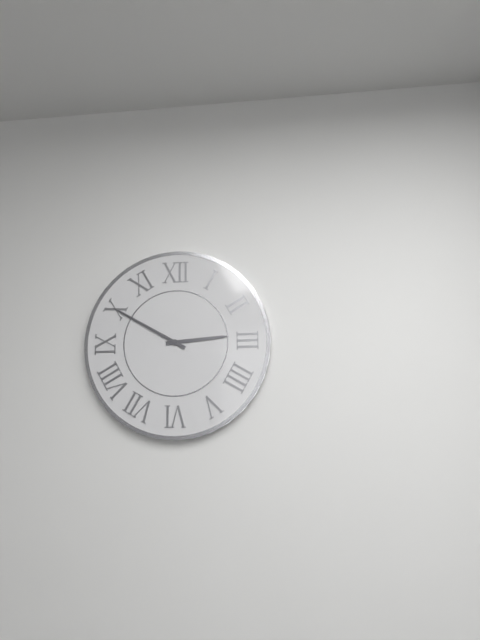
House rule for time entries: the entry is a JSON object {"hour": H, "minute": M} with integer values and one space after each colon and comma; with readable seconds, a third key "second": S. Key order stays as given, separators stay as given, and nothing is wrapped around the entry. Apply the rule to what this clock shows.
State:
{"hour": 2, "minute": 50}
